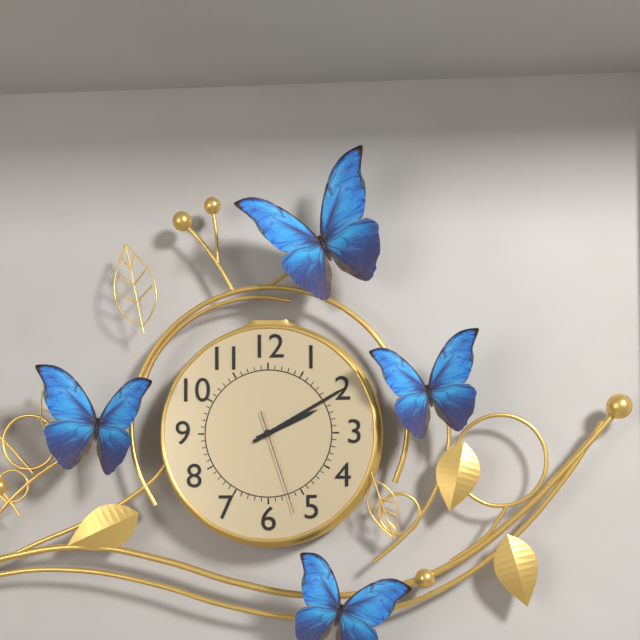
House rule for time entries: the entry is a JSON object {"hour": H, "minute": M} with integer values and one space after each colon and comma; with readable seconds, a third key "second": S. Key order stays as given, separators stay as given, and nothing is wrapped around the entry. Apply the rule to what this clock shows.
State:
{"hour": 2, "minute": 10, "second": 27}
